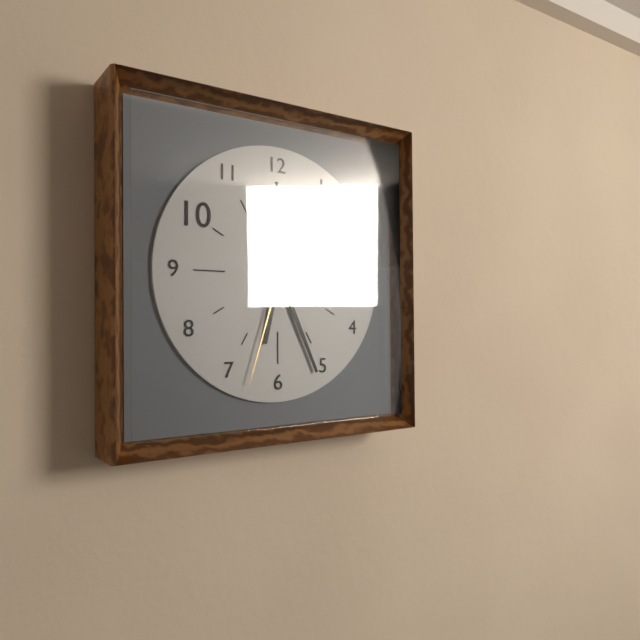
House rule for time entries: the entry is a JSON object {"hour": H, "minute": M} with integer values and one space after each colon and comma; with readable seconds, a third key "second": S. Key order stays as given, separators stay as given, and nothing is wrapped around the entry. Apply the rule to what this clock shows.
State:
{"hour": 6, "minute": 26, "second": 33}
